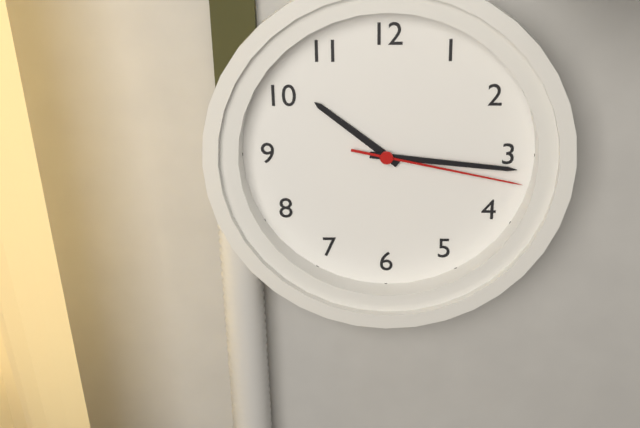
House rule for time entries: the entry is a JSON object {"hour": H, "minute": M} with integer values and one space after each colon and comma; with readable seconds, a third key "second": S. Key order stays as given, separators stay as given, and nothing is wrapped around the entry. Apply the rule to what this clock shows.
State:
{"hour": 10, "minute": 16, "second": 17}
